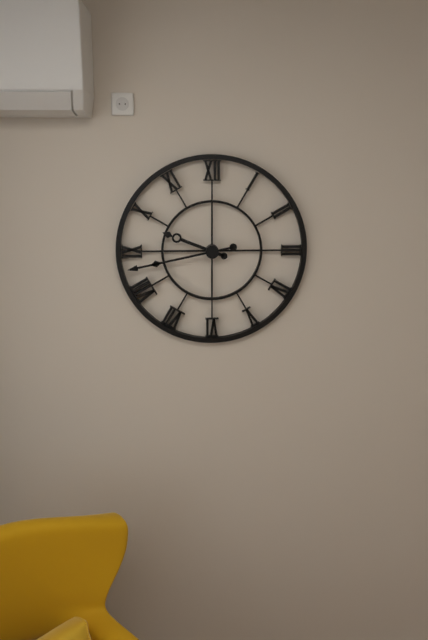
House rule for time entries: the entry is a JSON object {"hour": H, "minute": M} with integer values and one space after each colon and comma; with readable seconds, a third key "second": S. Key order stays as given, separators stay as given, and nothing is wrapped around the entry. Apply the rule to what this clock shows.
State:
{"hour": 9, "minute": 43}
